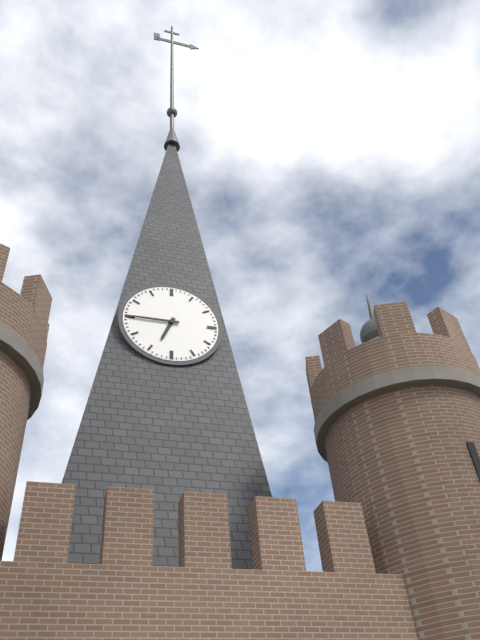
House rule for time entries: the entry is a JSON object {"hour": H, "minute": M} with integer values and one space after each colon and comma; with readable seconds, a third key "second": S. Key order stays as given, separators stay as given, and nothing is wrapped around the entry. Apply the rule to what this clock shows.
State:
{"hour": 6, "minute": 45}
